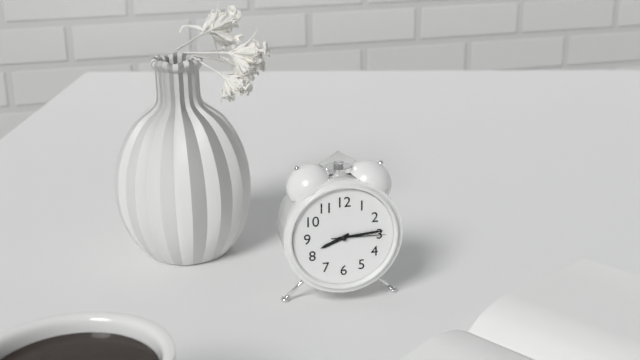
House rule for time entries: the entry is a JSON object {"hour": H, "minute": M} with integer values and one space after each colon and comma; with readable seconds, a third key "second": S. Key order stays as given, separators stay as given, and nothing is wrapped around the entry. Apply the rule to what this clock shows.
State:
{"hour": 8, "minute": 14, "second": 15}
